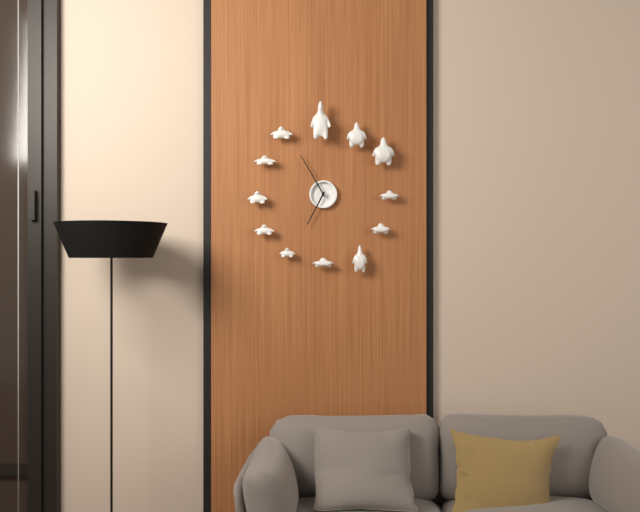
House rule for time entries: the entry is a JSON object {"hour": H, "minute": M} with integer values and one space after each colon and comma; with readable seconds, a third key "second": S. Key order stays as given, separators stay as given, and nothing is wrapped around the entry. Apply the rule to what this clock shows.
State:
{"hour": 6, "minute": 55}
